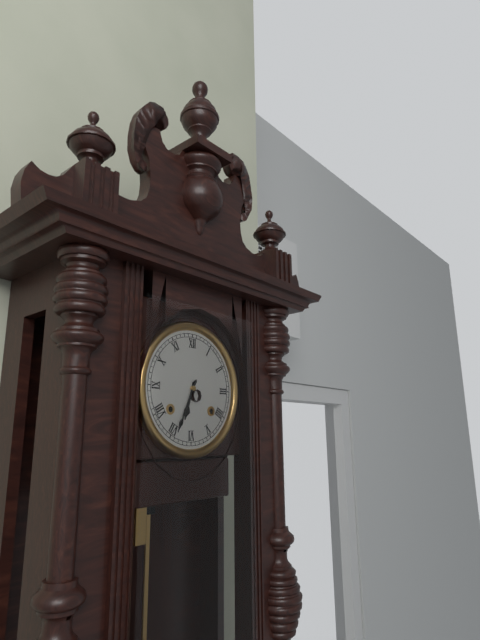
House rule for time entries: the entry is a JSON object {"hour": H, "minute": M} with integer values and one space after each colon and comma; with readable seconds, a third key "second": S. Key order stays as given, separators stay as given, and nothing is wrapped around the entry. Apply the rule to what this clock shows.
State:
{"hour": 6, "minute": 34}
